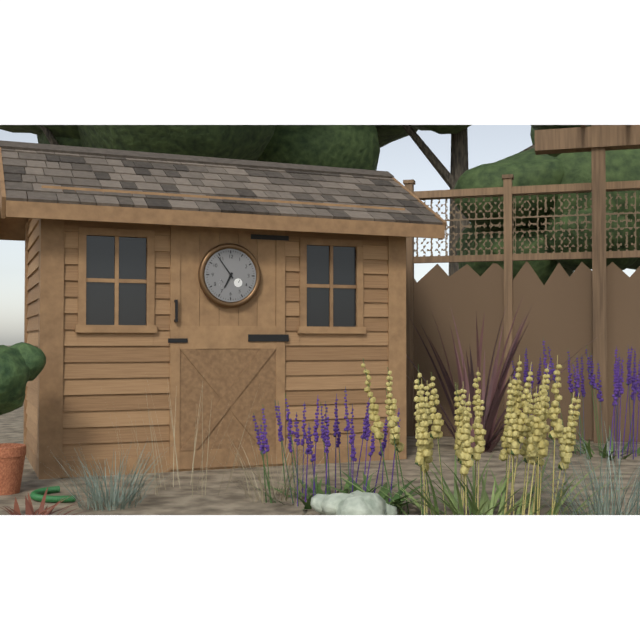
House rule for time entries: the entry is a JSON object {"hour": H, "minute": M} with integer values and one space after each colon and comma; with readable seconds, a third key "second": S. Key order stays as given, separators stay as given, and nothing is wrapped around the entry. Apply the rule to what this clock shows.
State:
{"hour": 6, "minute": 54}
